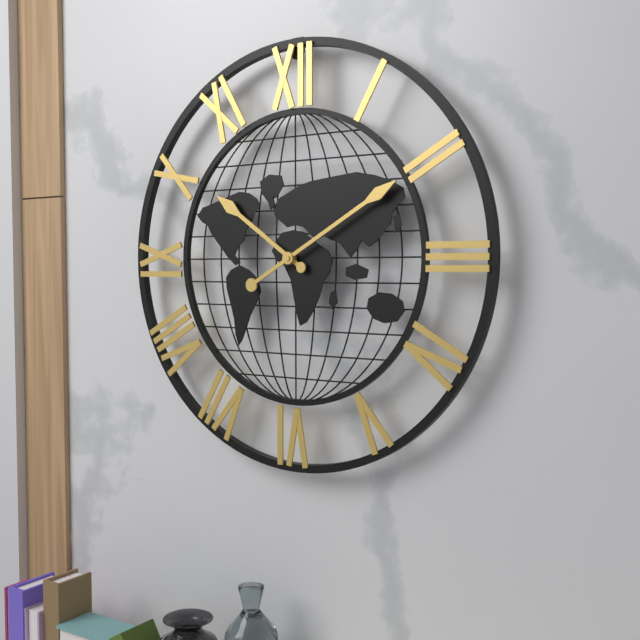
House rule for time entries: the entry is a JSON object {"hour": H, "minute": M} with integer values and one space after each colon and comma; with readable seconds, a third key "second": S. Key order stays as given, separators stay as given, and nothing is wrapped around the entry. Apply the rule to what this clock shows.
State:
{"hour": 10, "minute": 10}
